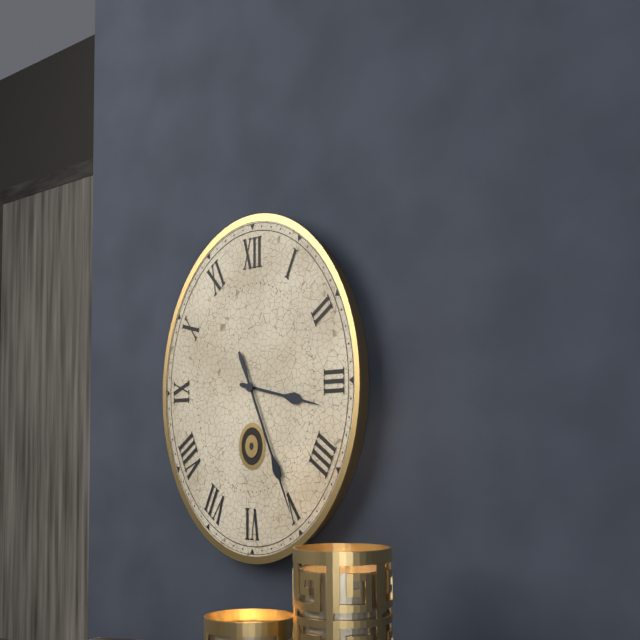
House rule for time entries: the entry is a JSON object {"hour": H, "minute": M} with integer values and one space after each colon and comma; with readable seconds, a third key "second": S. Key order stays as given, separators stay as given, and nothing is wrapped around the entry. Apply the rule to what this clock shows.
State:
{"hour": 3, "minute": 26}
